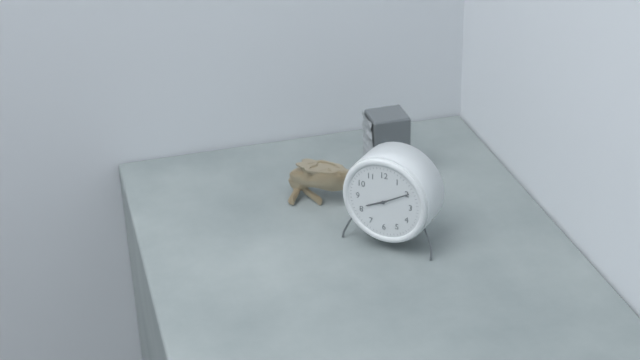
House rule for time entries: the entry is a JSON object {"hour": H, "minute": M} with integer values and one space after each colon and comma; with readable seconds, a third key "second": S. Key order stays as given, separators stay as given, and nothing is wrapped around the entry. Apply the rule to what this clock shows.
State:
{"hour": 8, "minute": 10}
